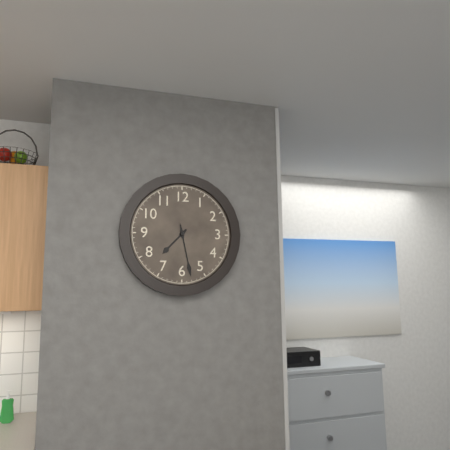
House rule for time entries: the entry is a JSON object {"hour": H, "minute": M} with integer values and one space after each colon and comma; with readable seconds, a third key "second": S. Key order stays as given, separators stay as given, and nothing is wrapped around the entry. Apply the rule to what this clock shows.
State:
{"hour": 7, "minute": 28}
